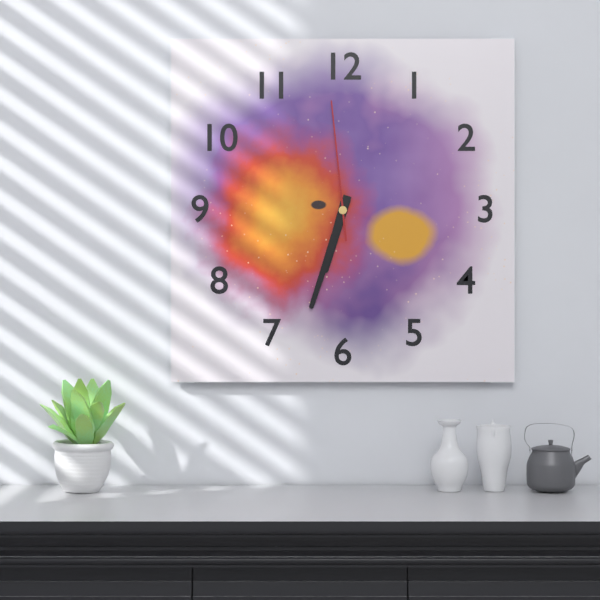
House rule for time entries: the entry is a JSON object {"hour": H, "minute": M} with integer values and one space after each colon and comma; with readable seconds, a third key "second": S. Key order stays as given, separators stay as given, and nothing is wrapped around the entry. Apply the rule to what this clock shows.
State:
{"hour": 6, "minute": 33, "second": 59}
